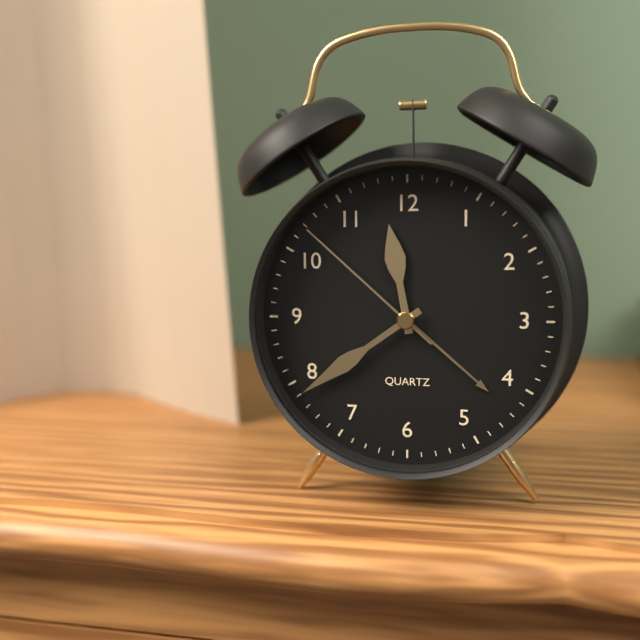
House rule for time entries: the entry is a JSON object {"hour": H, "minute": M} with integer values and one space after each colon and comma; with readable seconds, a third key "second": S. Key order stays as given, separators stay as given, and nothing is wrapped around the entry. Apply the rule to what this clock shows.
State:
{"hour": 11, "minute": 39, "second": 52}
